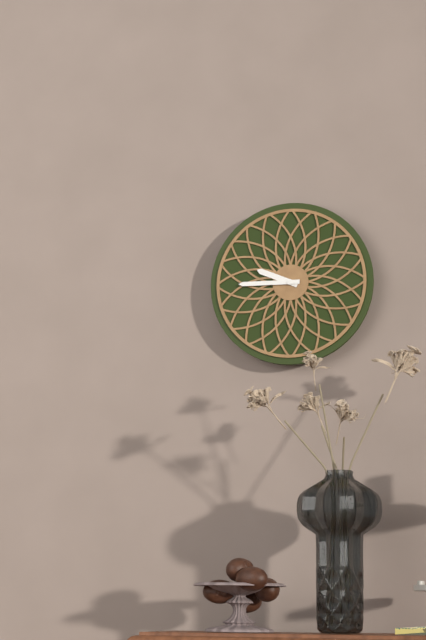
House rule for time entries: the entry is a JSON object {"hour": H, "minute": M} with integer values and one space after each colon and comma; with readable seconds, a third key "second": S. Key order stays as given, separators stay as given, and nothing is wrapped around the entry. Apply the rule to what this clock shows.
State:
{"hour": 9, "minute": 45}
